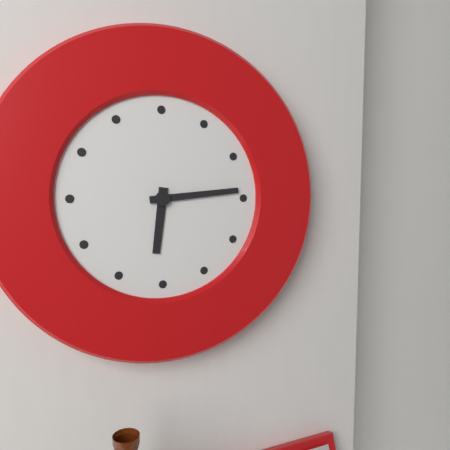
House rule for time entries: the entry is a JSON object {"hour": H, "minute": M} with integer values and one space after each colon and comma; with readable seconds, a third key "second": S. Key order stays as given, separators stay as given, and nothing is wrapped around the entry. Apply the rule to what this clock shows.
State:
{"hour": 6, "minute": 14}
